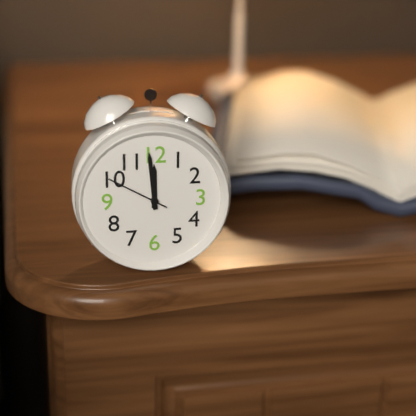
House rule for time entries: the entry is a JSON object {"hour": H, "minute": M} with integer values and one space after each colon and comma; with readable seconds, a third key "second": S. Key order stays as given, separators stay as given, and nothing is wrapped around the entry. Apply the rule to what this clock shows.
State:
{"hour": 11, "minute": 59, "second": 50}
